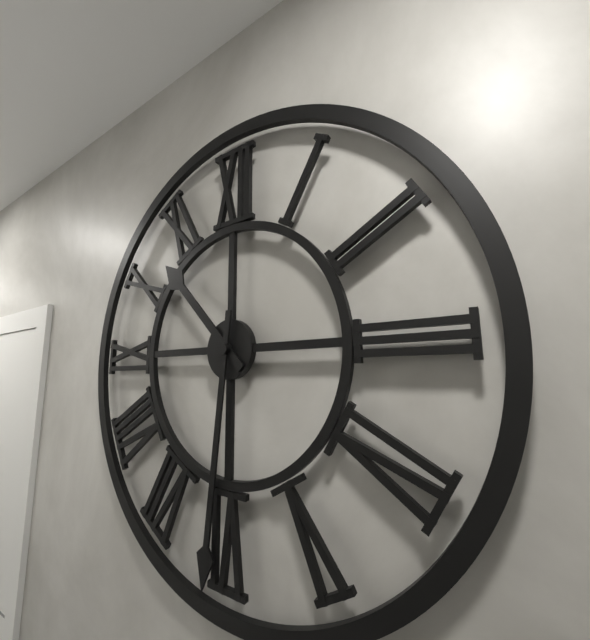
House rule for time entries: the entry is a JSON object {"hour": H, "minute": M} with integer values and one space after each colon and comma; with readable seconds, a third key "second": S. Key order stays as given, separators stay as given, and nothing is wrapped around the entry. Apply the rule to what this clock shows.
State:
{"hour": 10, "minute": 31}
